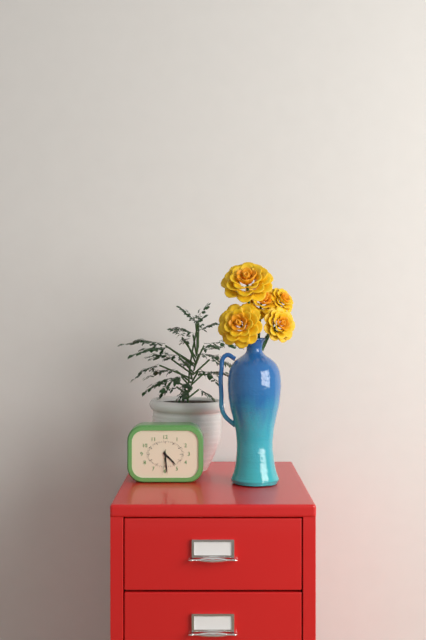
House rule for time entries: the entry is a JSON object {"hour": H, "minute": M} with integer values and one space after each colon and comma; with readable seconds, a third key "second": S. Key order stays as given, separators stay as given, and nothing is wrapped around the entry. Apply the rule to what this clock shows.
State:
{"hour": 4, "minute": 29}
